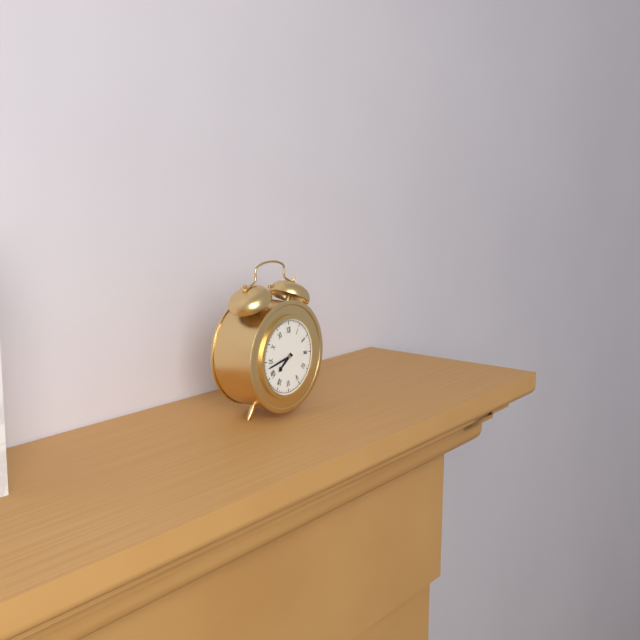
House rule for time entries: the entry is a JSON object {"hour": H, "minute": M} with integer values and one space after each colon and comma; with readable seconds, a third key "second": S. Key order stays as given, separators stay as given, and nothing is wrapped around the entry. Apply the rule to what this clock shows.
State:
{"hour": 7, "minute": 43}
